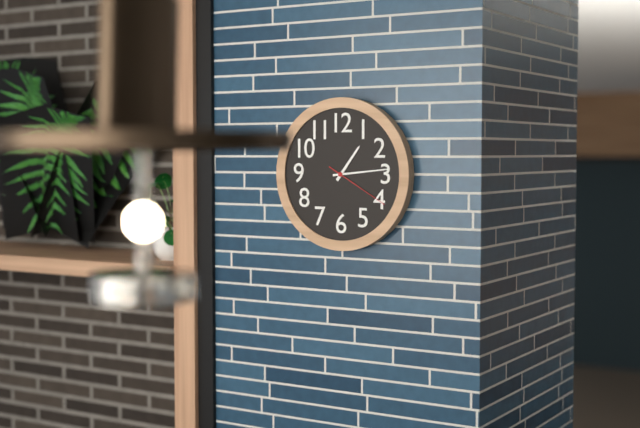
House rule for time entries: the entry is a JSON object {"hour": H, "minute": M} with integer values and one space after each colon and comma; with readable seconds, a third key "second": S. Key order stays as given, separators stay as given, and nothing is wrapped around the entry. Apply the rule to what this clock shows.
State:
{"hour": 1, "minute": 14, "second": 20}
